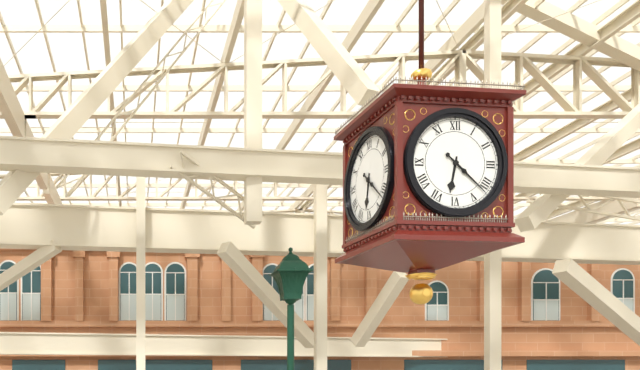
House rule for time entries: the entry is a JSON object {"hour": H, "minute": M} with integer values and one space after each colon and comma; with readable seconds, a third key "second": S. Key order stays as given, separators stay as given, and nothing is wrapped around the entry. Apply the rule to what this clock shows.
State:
{"hour": 6, "minute": 22}
